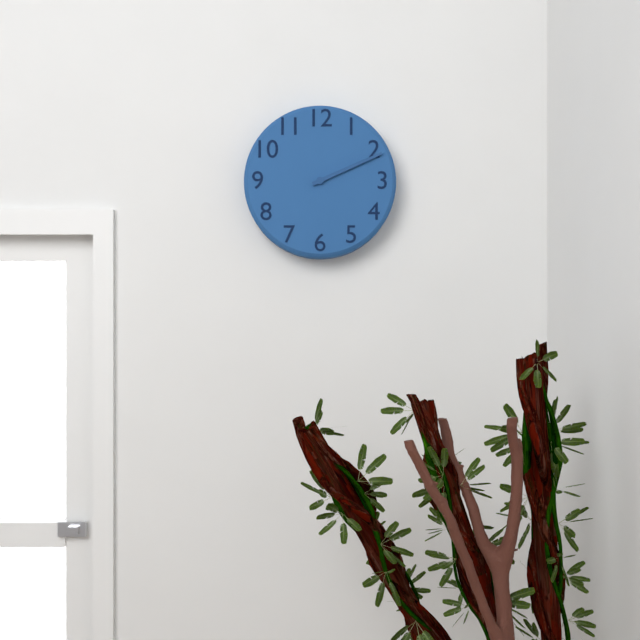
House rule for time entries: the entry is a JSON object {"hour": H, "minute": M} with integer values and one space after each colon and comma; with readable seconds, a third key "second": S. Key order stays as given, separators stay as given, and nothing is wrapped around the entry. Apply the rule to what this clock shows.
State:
{"hour": 2, "minute": 11}
